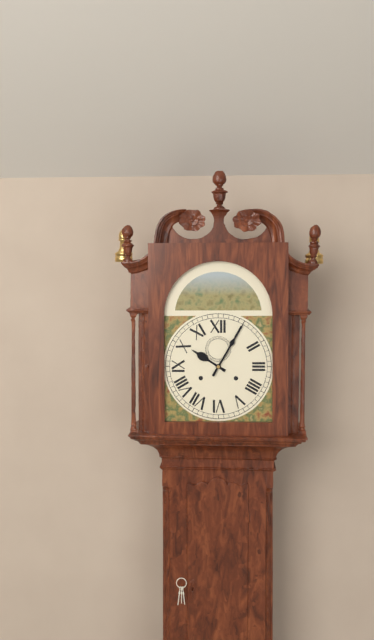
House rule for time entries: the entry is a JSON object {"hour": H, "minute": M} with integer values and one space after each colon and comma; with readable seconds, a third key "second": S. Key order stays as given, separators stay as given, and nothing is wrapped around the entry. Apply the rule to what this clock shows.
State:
{"hour": 10, "minute": 5}
